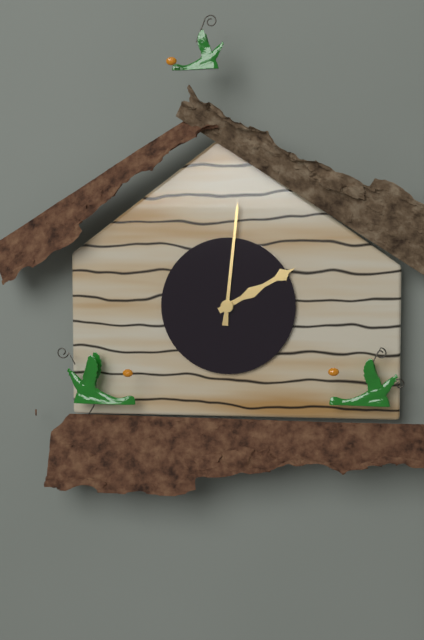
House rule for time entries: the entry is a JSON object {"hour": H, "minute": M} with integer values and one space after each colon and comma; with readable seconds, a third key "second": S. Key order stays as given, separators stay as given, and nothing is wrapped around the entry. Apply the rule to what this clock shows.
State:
{"hour": 2, "minute": 1}
